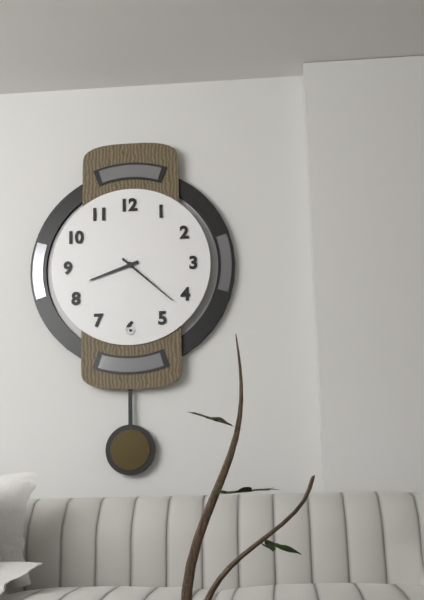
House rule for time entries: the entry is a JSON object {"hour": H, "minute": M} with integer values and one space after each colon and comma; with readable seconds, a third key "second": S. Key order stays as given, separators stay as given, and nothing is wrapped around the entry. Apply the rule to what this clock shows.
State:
{"hour": 8, "minute": 22}
